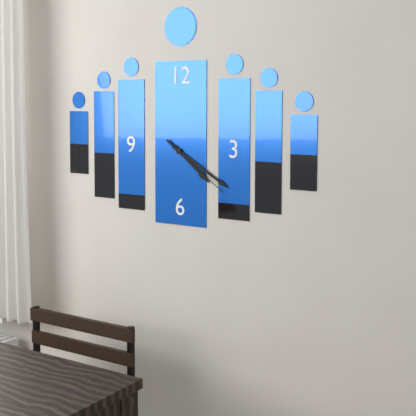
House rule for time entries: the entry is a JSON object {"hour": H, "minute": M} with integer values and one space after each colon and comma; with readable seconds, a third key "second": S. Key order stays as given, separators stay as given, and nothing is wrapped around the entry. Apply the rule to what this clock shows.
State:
{"hour": 4, "minute": 20, "second": 21}
